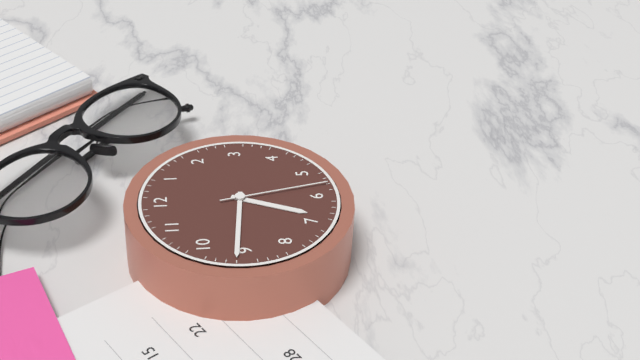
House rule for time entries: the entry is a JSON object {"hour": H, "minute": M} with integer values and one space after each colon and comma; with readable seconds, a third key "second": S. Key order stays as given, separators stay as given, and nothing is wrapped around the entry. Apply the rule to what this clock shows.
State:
{"hour": 6, "minute": 46, "second": 28}
